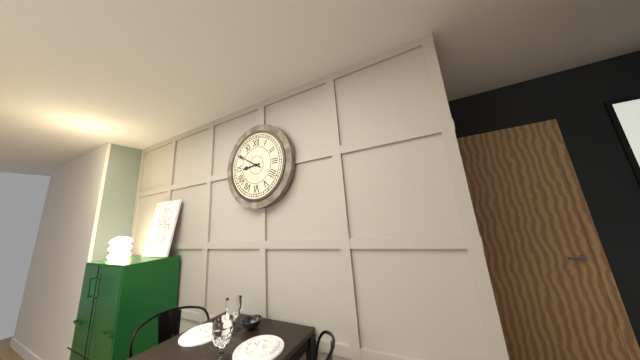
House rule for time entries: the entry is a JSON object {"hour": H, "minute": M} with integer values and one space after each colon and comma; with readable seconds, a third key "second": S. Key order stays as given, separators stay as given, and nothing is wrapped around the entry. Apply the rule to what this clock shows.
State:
{"hour": 8, "minute": 50}
